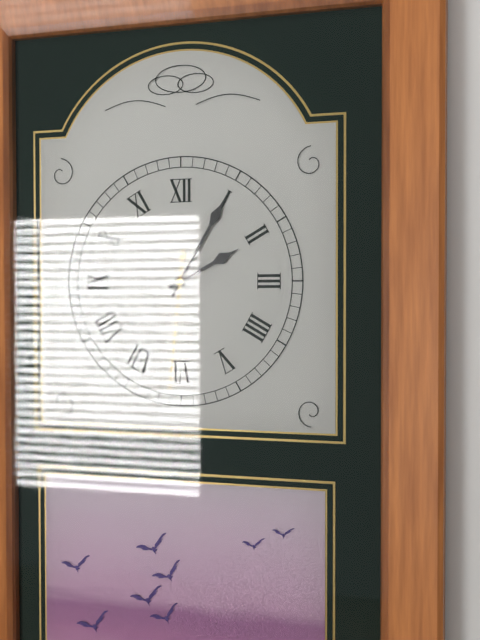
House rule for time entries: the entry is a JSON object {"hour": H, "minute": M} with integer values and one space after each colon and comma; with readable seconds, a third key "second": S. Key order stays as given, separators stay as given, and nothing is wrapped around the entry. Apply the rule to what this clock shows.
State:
{"hour": 2, "minute": 5, "second": 31}
